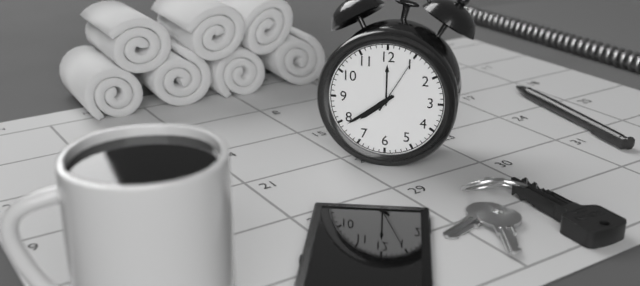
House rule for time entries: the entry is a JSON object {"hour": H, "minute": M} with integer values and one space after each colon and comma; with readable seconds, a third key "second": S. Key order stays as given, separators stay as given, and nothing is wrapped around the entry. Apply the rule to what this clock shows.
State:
{"hour": 7, "minute": 39, "second": 5}
